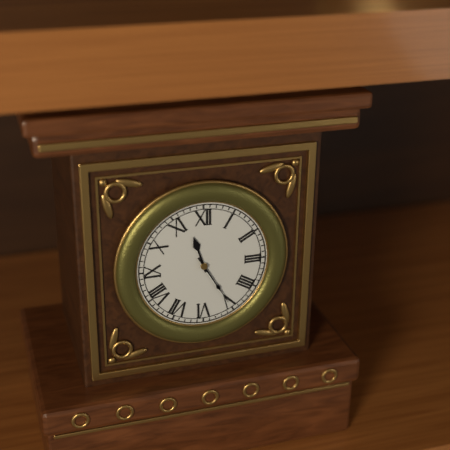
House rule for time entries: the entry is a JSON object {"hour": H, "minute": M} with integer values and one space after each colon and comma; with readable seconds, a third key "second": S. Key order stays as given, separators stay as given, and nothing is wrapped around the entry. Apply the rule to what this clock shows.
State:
{"hour": 11, "minute": 25}
